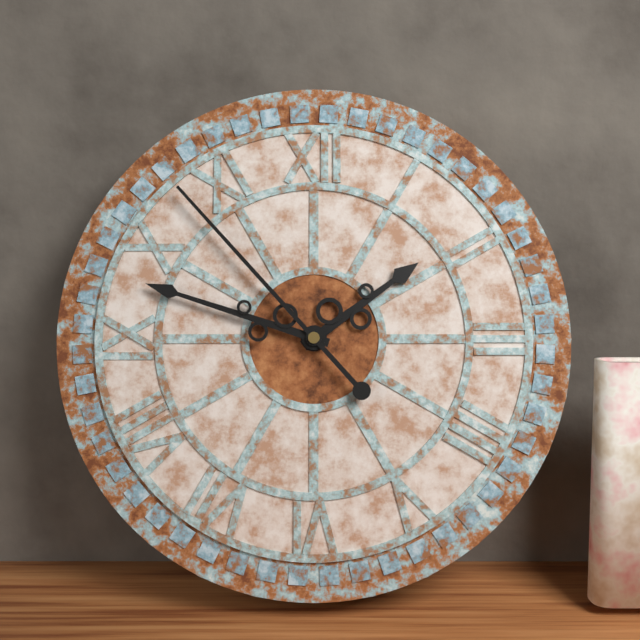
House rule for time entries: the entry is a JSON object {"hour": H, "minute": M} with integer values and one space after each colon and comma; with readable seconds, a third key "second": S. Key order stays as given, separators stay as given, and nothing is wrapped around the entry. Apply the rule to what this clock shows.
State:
{"hour": 1, "minute": 48, "second": 53}
